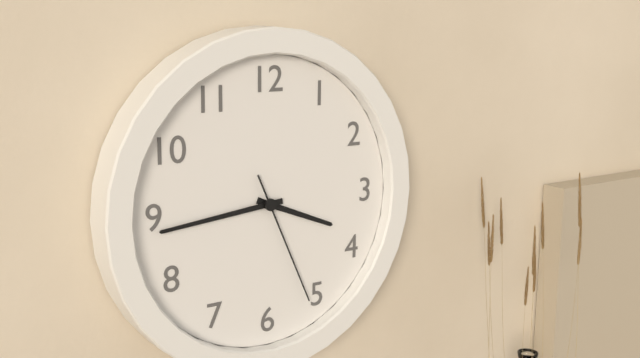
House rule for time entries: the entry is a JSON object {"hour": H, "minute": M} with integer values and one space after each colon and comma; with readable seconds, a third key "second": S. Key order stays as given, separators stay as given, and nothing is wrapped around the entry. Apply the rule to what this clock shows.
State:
{"hour": 3, "minute": 44, "second": 26}
